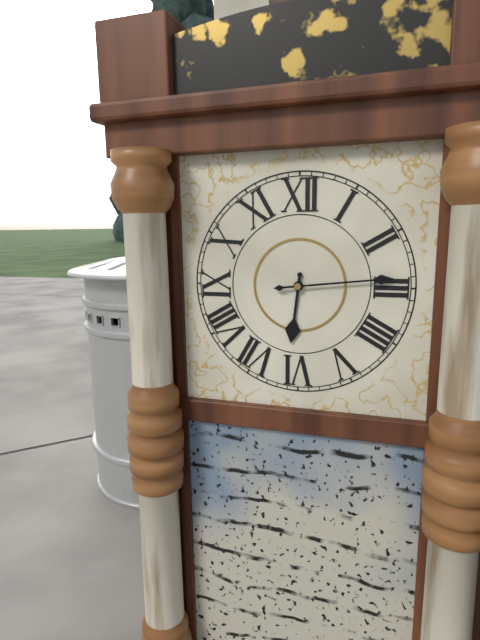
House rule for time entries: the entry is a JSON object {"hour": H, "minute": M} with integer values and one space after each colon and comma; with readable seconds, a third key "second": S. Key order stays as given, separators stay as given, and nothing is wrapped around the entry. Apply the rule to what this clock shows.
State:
{"hour": 6, "minute": 14}
